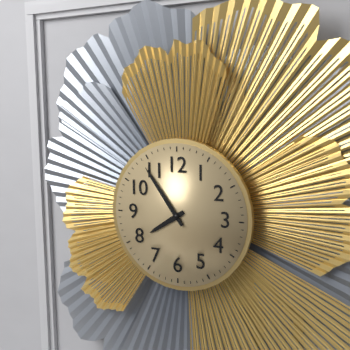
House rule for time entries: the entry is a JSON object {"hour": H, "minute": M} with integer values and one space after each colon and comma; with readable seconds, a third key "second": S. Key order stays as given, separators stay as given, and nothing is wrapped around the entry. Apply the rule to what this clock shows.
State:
{"hour": 7, "minute": 54}
